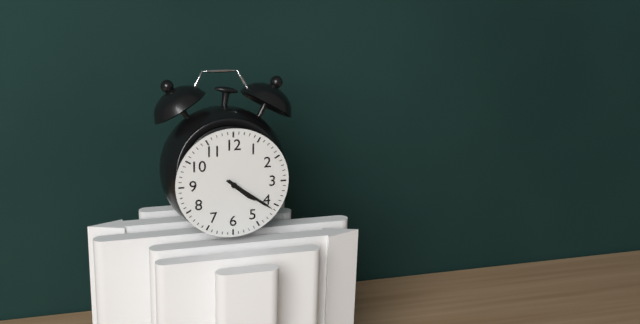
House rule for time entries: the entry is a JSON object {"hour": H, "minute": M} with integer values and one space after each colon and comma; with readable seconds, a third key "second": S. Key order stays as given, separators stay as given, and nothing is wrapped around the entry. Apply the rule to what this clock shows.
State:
{"hour": 4, "minute": 21}
